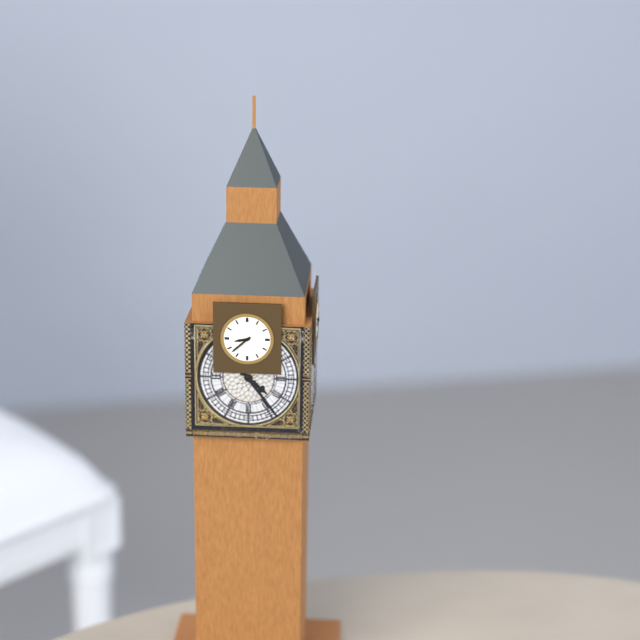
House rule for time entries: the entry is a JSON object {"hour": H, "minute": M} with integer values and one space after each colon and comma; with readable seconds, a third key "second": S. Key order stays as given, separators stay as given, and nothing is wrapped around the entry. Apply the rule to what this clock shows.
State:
{"hour": 8, "minute": 38}
